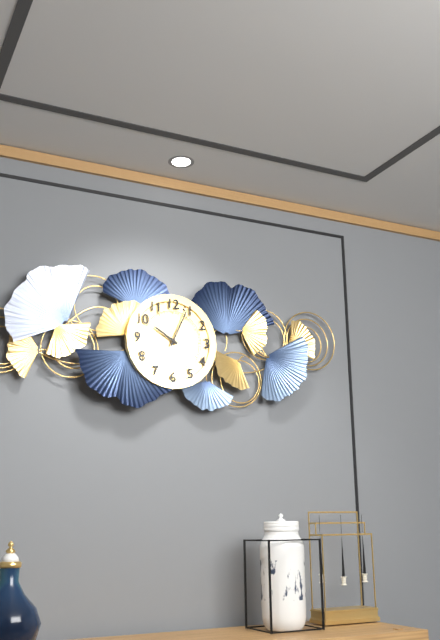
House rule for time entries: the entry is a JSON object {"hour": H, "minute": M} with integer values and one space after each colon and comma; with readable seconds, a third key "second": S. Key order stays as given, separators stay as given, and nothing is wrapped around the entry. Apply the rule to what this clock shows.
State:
{"hour": 10, "minute": 4}
